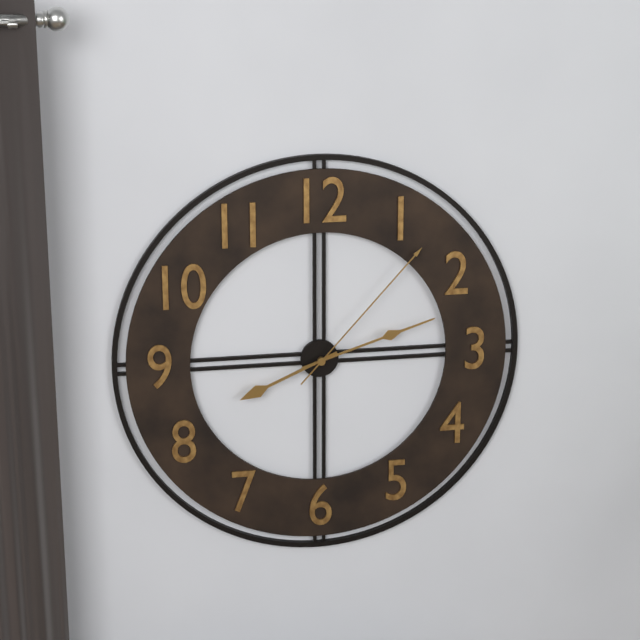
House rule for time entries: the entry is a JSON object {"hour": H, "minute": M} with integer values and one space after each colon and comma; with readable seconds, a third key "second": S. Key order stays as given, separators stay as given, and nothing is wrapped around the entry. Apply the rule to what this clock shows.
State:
{"hour": 8, "minute": 12, "second": 7}
